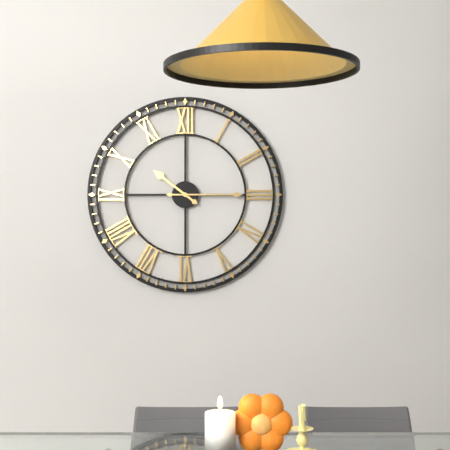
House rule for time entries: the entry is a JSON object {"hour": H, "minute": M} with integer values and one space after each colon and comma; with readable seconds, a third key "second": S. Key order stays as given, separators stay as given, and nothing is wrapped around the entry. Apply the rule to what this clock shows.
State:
{"hour": 10, "minute": 15}
